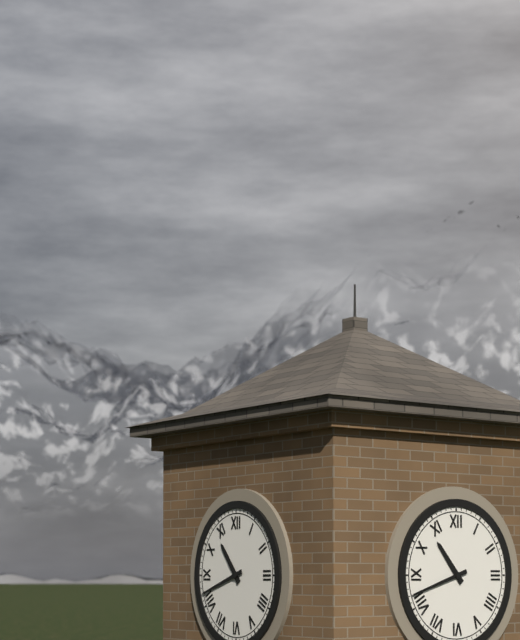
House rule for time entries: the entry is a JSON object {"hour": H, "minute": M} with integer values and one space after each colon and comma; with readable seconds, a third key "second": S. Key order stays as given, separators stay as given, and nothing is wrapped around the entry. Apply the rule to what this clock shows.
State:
{"hour": 10, "minute": 42}
